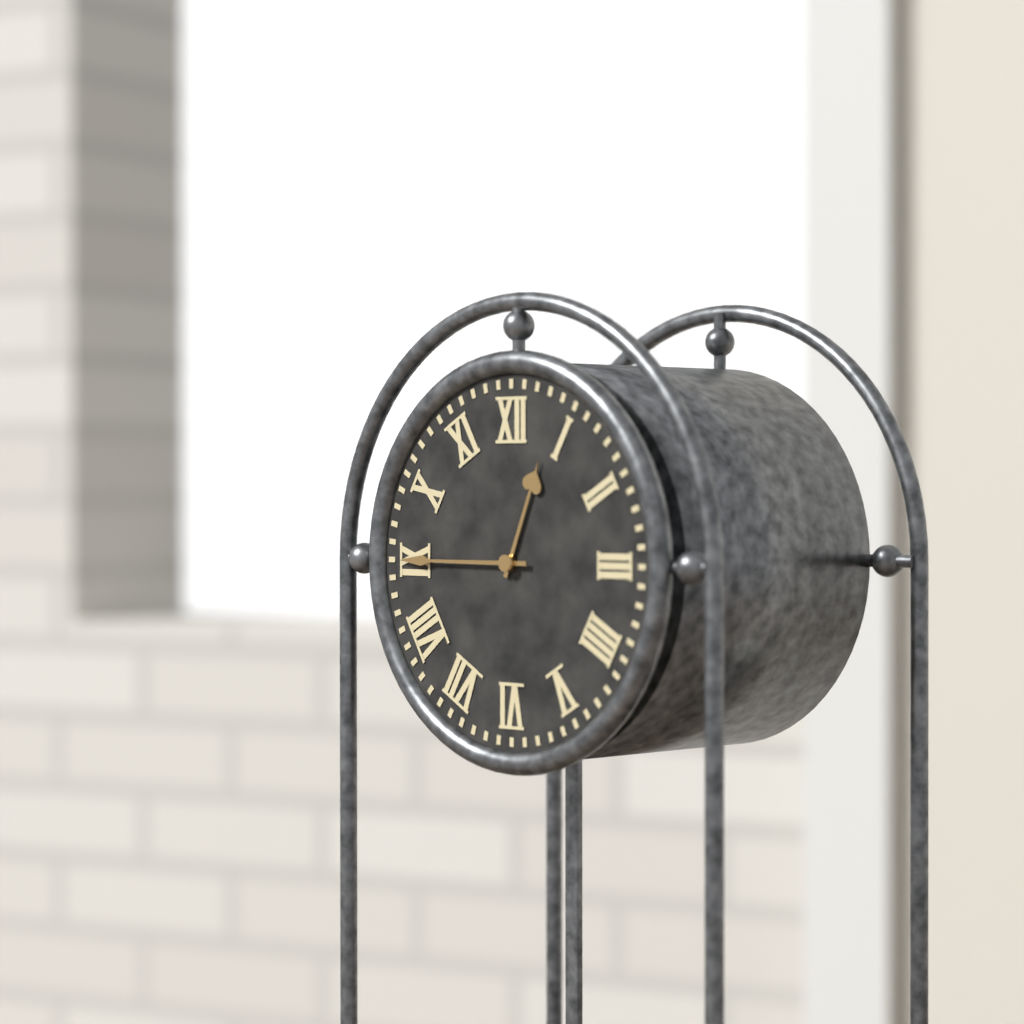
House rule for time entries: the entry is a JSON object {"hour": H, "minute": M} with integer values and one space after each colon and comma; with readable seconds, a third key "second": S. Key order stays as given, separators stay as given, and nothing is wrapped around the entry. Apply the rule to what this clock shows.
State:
{"hour": 12, "minute": 45}
